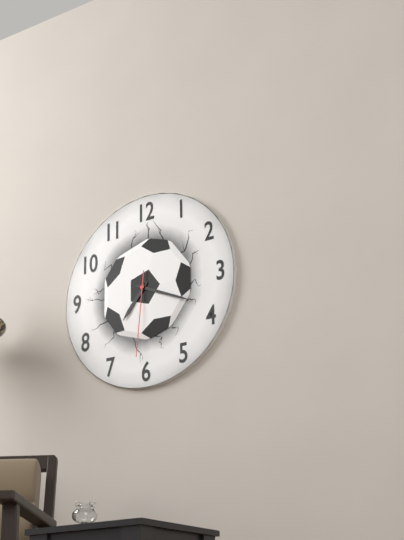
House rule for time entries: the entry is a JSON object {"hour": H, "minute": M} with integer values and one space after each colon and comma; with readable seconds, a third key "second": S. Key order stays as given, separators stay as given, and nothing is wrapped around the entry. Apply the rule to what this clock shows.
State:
{"hour": 7, "minute": 19, "second": 31}
